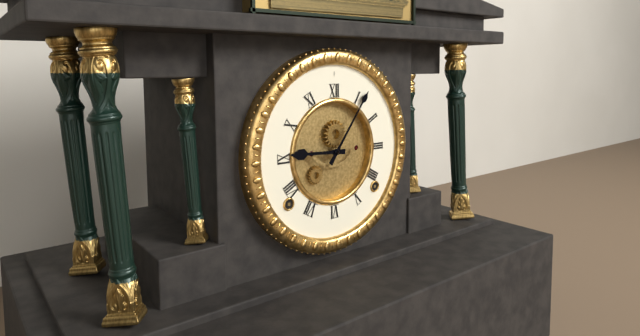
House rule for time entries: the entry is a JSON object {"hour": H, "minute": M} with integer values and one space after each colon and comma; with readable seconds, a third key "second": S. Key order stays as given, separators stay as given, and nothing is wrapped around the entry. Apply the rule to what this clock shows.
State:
{"hour": 9, "minute": 6}
